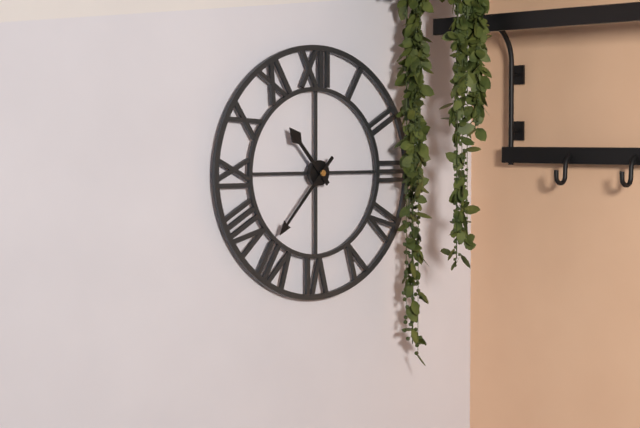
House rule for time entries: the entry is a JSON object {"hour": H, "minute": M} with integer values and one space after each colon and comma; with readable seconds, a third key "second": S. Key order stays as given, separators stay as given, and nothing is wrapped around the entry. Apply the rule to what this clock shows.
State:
{"hour": 10, "minute": 37}
